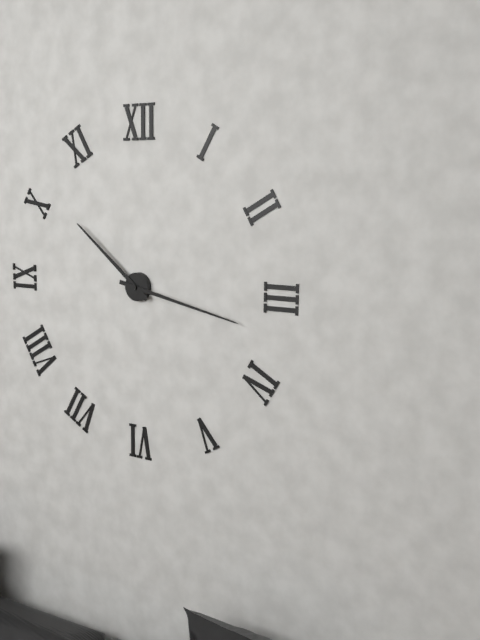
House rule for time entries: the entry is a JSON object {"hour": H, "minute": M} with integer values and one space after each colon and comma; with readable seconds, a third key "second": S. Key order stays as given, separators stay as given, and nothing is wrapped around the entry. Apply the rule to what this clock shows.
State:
{"hour": 10, "minute": 17}
